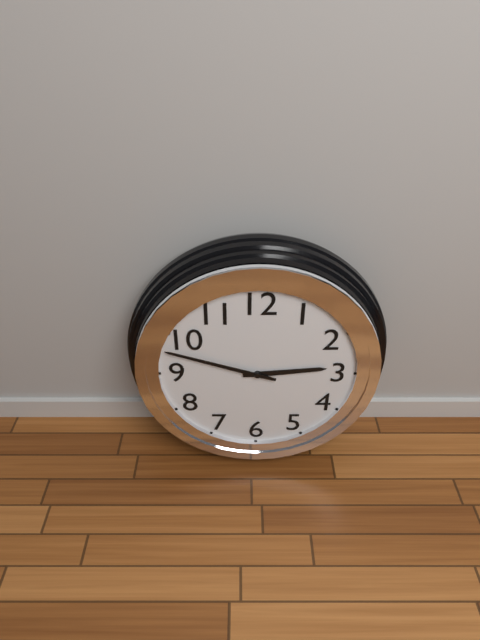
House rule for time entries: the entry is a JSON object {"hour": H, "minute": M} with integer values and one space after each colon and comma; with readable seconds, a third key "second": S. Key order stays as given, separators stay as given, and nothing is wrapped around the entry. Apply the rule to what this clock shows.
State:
{"hour": 2, "minute": 48}
